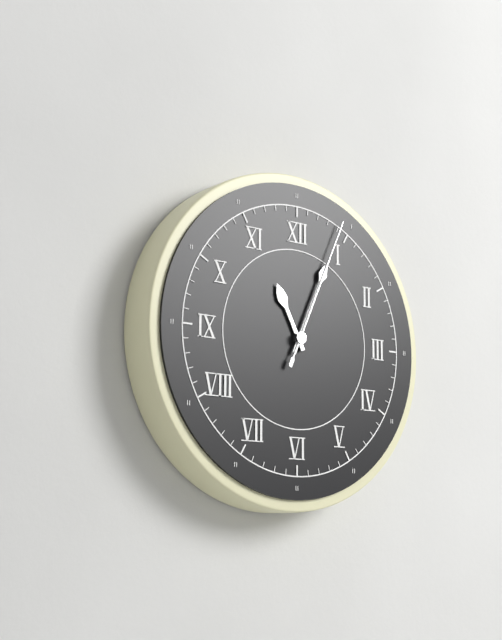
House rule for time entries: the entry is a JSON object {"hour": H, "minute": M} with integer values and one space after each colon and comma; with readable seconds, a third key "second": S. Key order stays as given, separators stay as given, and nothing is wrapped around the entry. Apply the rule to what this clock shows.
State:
{"hour": 11, "minute": 4, "second": 4}
